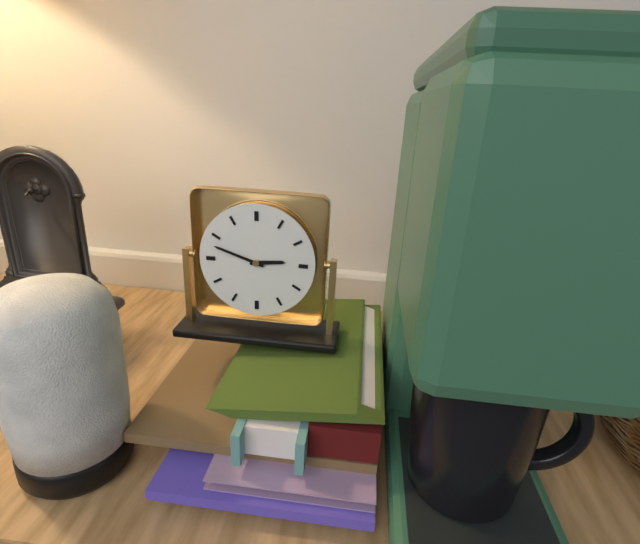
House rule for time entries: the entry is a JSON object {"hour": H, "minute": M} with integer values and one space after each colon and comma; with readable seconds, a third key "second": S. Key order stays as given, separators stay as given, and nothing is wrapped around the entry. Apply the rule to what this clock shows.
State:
{"hour": 2, "minute": 48}
